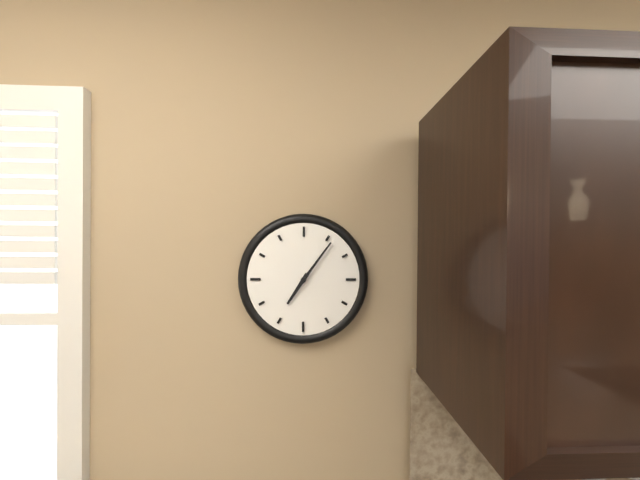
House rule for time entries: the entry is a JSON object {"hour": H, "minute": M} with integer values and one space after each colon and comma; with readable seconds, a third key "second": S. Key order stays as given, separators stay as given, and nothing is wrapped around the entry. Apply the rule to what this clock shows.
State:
{"hour": 7, "minute": 6}
